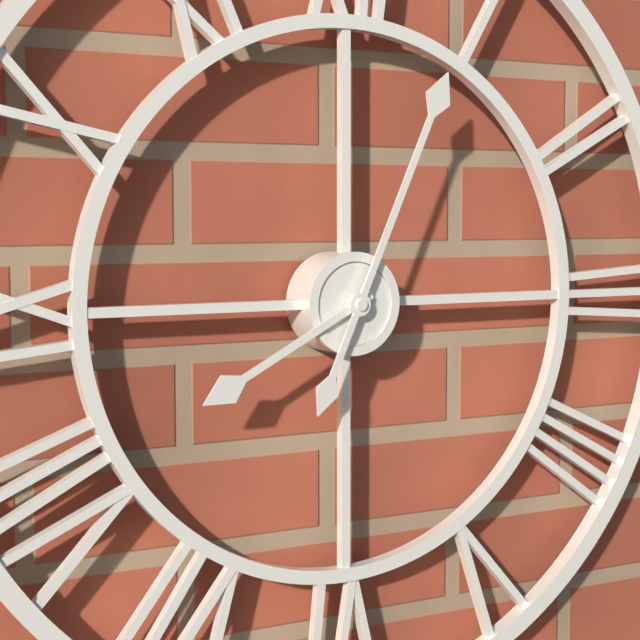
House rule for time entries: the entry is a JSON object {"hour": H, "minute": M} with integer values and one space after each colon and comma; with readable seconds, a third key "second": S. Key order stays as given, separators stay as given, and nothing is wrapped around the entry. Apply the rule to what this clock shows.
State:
{"hour": 8, "minute": 4}
